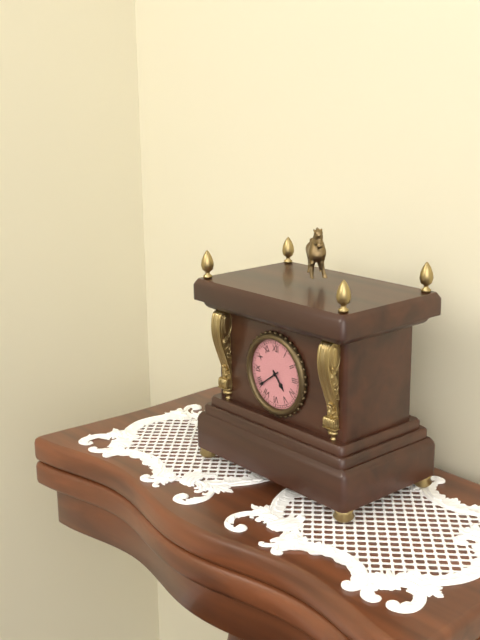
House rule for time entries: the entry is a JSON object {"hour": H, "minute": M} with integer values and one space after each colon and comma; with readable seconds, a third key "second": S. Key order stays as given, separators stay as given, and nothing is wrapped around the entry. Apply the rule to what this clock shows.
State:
{"hour": 4, "minute": 39}
